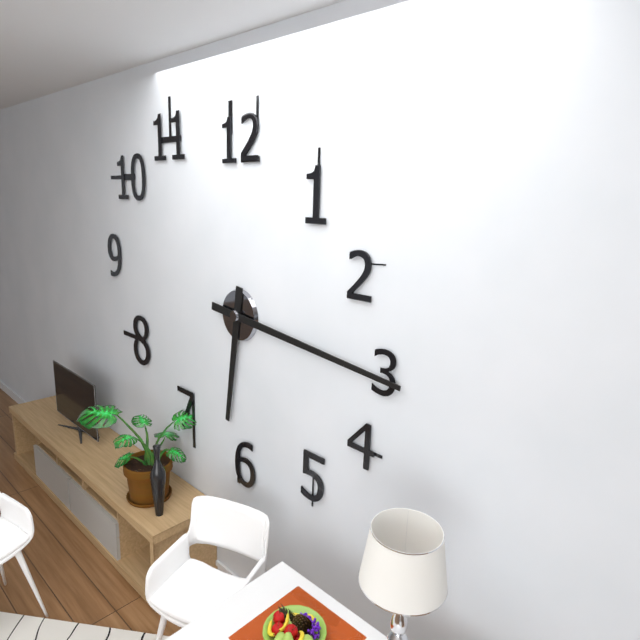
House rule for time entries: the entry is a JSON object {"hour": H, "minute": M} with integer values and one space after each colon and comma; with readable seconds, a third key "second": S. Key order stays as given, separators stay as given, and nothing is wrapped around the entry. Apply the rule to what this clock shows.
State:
{"hour": 6, "minute": 16}
